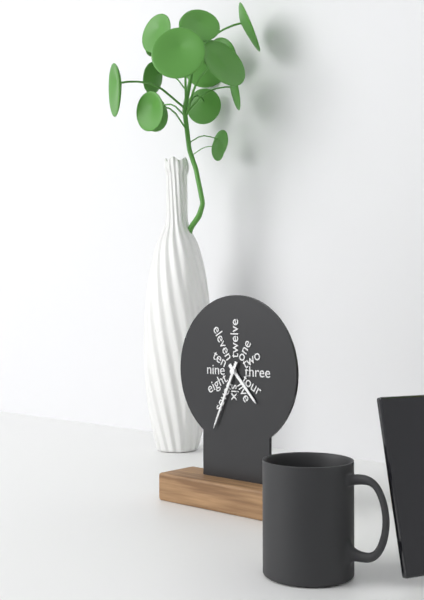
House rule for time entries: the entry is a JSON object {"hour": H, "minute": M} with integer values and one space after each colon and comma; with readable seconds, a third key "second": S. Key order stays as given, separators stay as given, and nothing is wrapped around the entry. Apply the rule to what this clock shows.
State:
{"hour": 4, "minute": 34}
